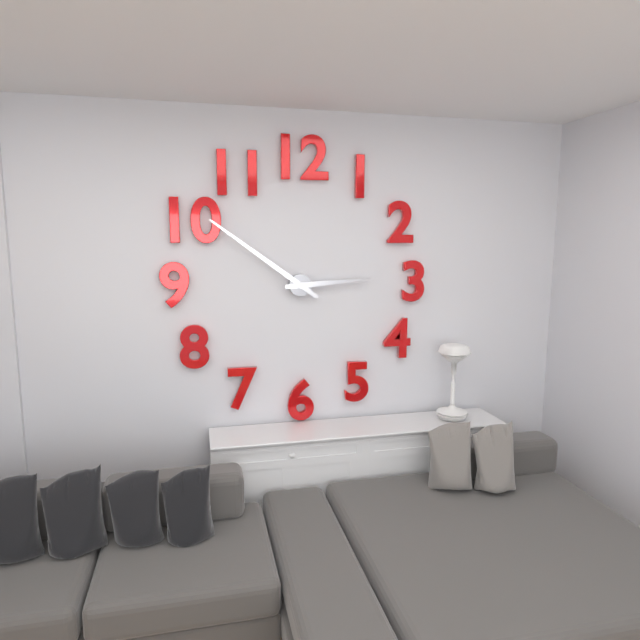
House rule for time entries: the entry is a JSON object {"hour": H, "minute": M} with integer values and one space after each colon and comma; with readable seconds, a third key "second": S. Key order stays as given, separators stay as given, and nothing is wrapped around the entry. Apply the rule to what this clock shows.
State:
{"hour": 2, "minute": 51}
